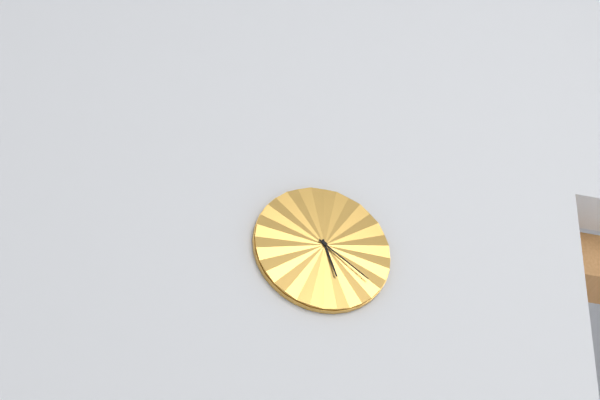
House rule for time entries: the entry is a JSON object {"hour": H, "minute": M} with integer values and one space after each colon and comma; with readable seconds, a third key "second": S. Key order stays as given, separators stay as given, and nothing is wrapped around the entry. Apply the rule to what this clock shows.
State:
{"hour": 5, "minute": 21}
